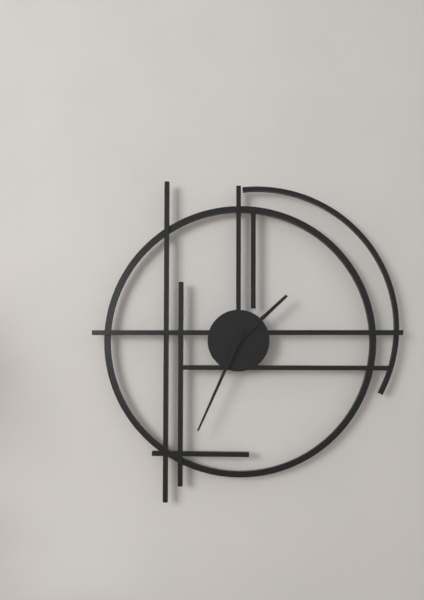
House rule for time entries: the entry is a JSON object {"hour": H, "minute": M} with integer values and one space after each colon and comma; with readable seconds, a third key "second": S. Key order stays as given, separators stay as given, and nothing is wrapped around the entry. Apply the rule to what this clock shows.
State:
{"hour": 1, "minute": 34}
